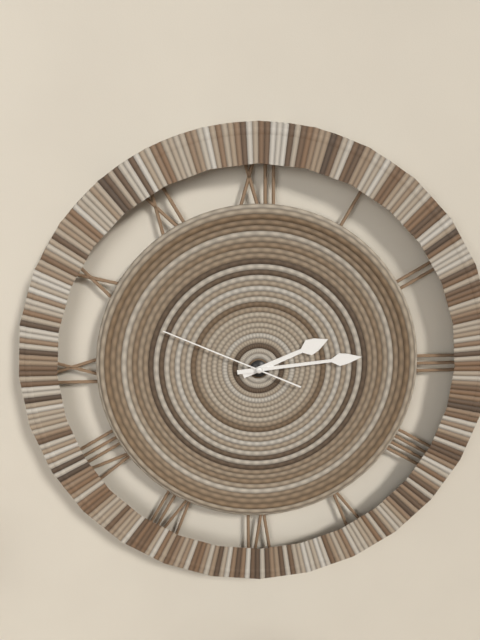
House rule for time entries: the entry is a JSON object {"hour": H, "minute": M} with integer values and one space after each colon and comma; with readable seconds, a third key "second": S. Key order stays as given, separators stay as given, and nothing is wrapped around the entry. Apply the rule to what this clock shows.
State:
{"hour": 2, "minute": 14, "second": 49}
